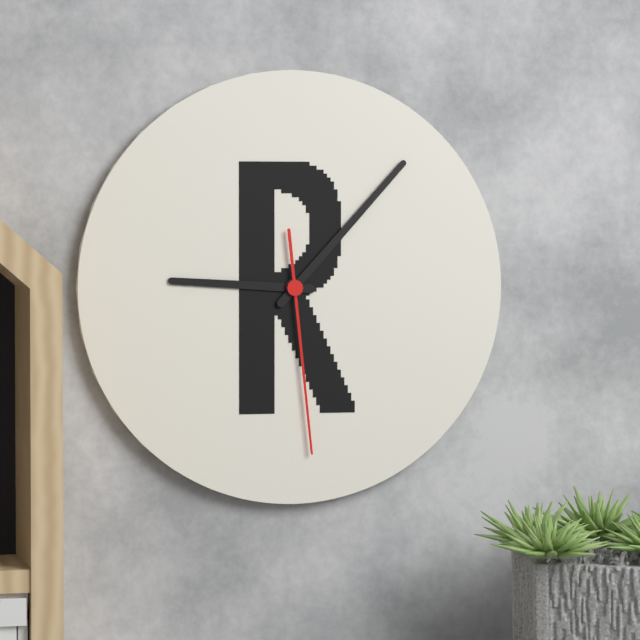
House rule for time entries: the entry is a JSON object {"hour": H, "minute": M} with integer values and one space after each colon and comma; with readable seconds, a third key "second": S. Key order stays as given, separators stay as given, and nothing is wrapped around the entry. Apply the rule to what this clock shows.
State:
{"hour": 9, "minute": 7, "second": 29}
